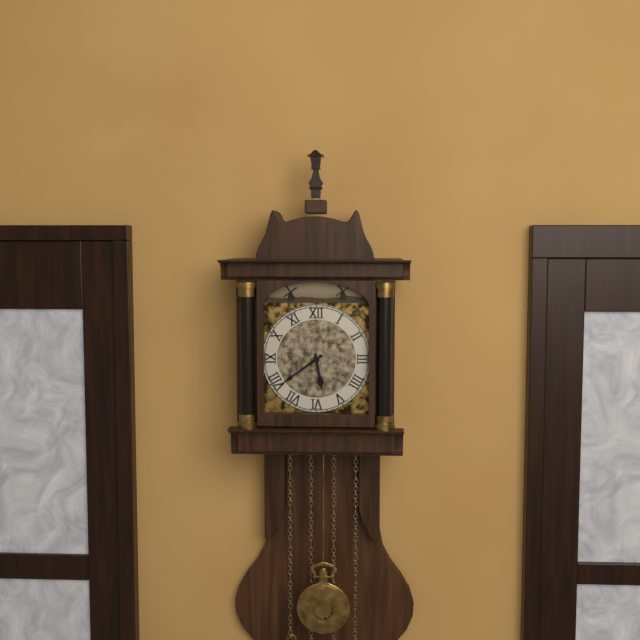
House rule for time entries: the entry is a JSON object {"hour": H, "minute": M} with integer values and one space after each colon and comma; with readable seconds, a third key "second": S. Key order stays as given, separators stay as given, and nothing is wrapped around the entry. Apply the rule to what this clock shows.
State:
{"hour": 5, "minute": 39}
